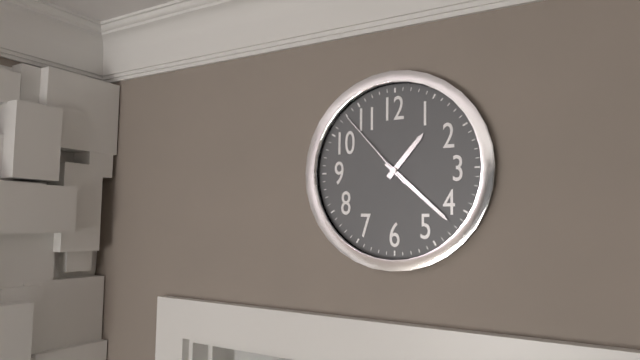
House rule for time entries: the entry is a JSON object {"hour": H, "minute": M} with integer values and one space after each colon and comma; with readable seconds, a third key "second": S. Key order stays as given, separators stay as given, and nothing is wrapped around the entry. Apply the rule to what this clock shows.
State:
{"hour": 1, "minute": 22, "second": 53}
